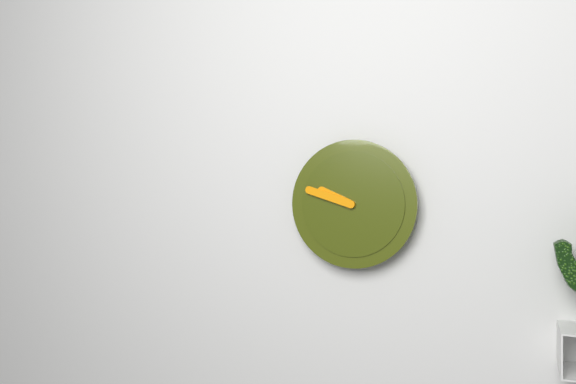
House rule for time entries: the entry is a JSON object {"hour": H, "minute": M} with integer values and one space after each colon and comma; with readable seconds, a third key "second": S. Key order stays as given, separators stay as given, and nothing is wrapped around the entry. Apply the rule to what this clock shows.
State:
{"hour": 9, "minute": 48}
